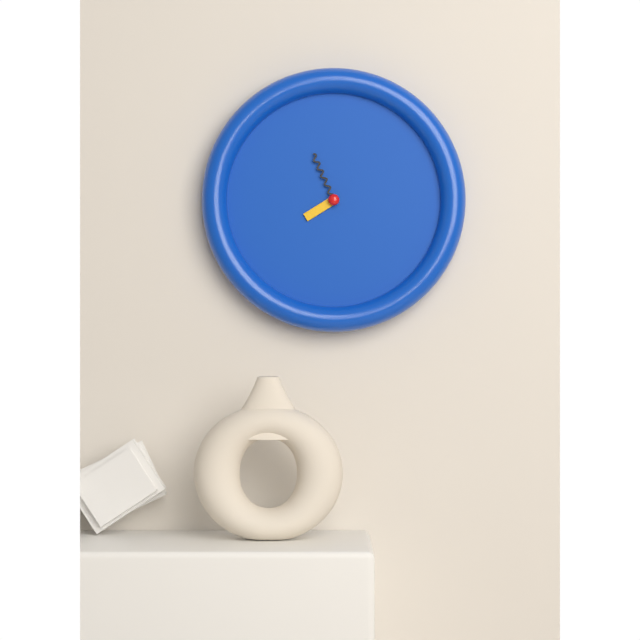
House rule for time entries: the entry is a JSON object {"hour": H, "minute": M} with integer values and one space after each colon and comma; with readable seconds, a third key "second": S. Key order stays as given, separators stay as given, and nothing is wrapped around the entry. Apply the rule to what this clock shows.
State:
{"hour": 7, "minute": 56}
